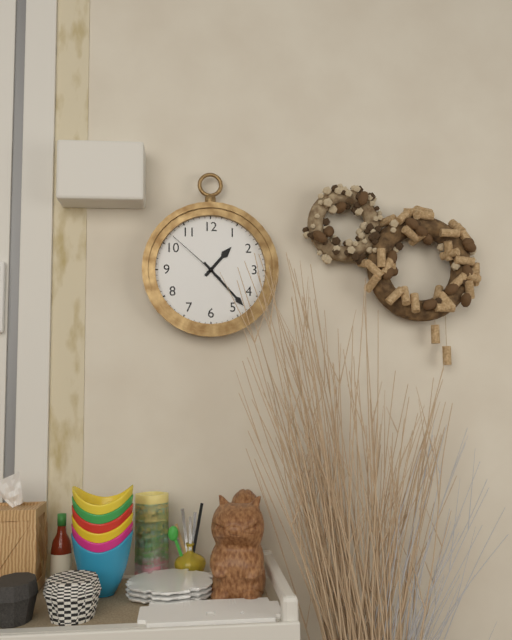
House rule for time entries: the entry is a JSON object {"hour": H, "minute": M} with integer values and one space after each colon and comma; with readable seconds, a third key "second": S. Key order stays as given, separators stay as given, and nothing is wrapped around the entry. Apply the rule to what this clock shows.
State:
{"hour": 1, "minute": 23, "second": 52}
